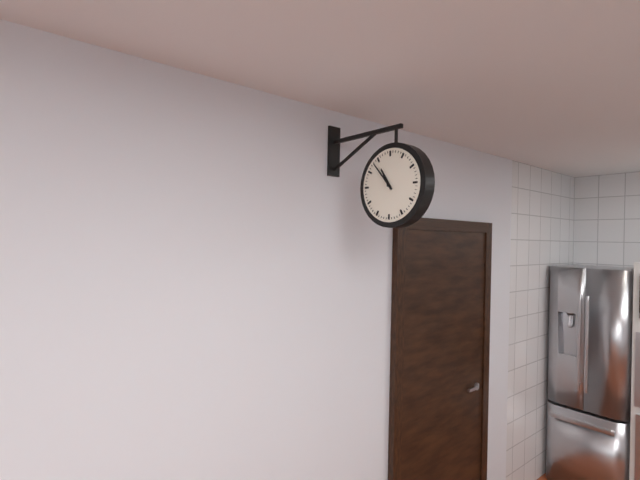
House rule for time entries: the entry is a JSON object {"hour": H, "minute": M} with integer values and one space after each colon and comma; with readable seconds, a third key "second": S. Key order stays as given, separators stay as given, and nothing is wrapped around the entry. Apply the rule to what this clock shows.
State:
{"hour": 10, "minute": 53}
